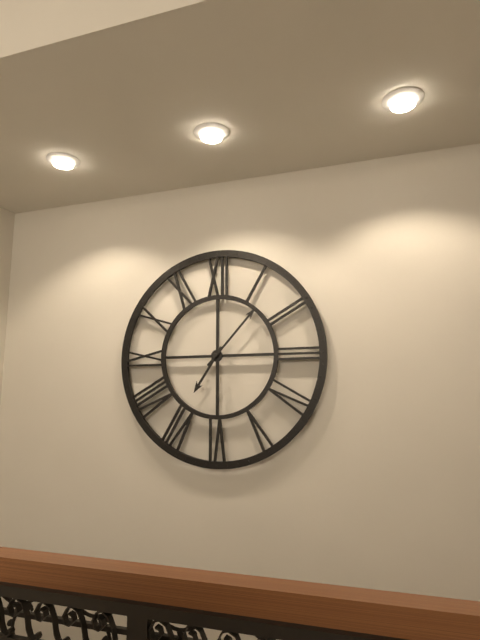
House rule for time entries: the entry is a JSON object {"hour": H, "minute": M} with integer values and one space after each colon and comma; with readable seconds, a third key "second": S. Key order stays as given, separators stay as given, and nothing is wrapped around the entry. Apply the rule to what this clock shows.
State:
{"hour": 7, "minute": 7}
